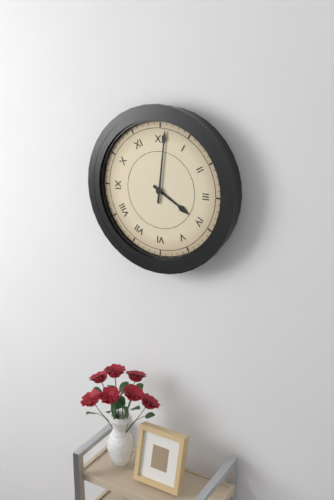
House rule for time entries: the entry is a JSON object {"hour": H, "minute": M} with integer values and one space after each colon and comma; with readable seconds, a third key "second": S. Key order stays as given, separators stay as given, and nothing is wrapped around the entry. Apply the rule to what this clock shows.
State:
{"hour": 4, "minute": 1}
